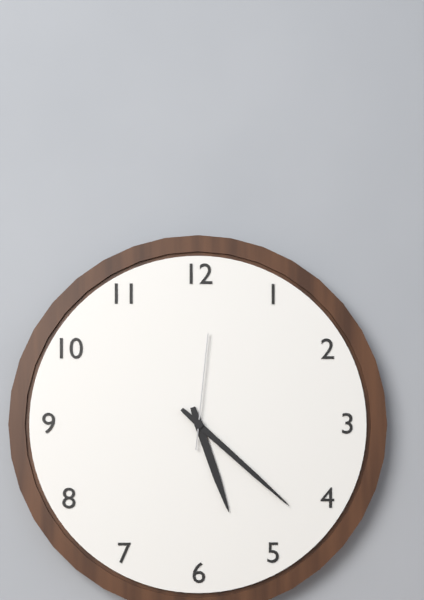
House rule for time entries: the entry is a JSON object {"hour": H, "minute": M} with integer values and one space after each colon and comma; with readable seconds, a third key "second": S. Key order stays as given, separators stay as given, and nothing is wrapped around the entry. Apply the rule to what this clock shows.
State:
{"hour": 5, "minute": 22, "second": 1}
